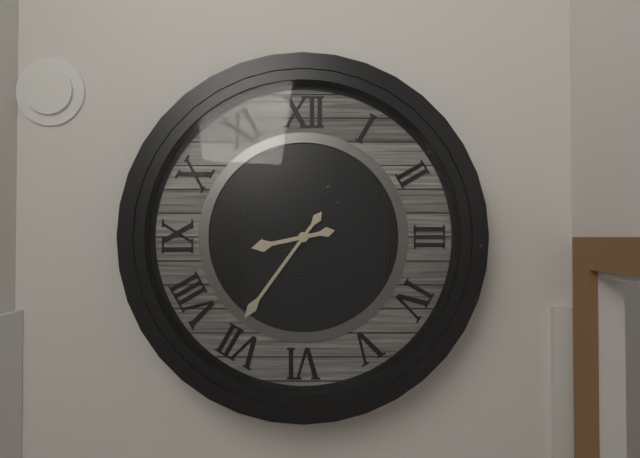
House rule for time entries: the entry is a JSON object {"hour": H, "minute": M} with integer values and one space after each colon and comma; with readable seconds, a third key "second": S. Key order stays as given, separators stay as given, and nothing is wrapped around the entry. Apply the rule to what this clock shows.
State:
{"hour": 8, "minute": 36}
